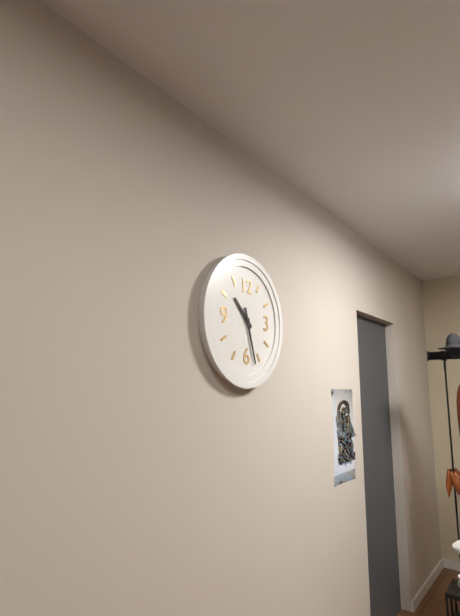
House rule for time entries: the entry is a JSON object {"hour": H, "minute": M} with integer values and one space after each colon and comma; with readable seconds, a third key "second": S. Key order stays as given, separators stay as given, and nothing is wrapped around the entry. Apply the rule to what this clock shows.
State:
{"hour": 10, "minute": 27}
